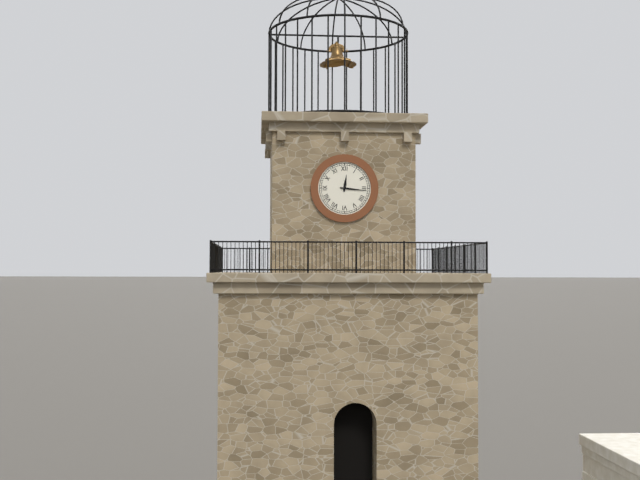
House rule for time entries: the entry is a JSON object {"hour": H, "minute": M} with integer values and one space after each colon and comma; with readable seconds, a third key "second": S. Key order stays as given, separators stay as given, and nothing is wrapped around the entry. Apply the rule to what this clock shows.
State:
{"hour": 12, "minute": 16}
